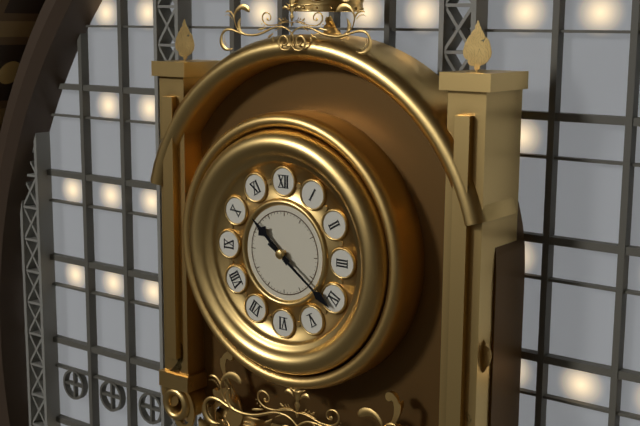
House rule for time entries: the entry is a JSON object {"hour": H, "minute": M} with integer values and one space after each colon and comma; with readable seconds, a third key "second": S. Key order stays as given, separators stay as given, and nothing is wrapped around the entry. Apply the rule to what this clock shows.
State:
{"hour": 10, "minute": 21}
